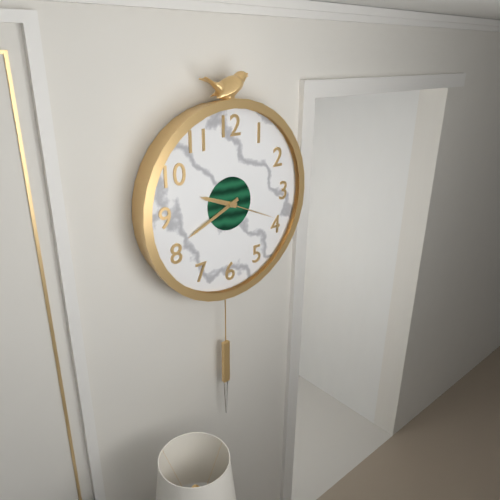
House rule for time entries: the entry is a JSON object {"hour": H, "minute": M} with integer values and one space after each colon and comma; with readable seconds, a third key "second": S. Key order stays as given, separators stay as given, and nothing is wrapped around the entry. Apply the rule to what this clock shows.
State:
{"hour": 9, "minute": 41, "second": 19}
